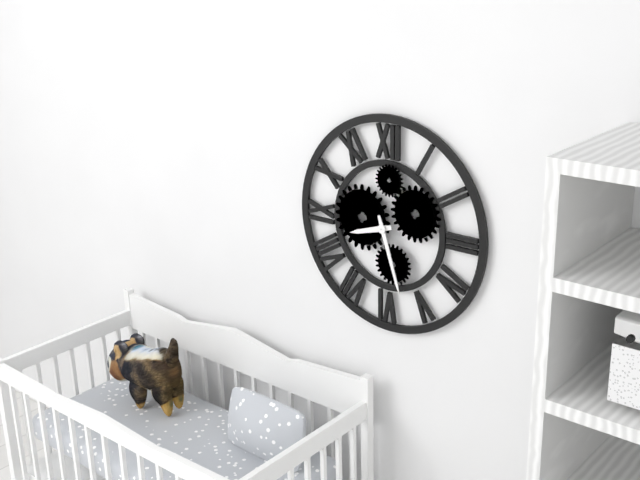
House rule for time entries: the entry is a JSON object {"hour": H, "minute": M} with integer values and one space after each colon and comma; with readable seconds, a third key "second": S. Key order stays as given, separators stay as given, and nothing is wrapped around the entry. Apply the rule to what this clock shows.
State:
{"hour": 8, "minute": 27}
